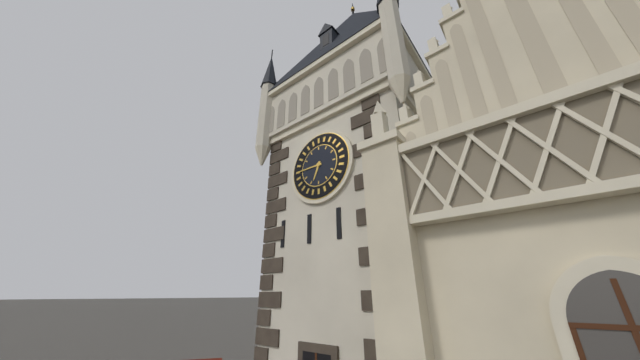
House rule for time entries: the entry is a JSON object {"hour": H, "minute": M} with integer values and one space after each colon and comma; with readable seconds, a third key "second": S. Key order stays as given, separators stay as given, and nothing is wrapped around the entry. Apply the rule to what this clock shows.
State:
{"hour": 6, "minute": 45}
